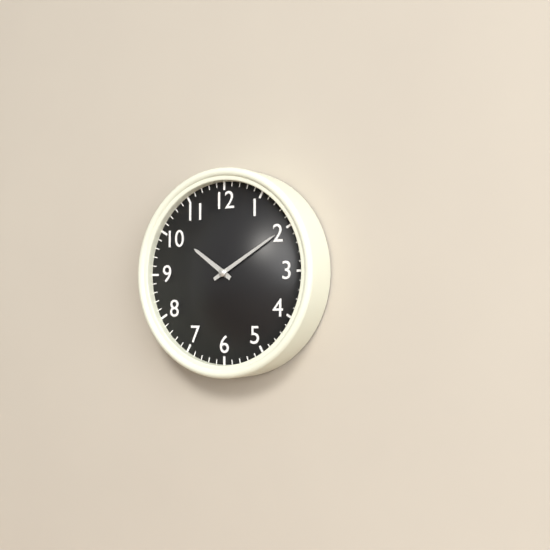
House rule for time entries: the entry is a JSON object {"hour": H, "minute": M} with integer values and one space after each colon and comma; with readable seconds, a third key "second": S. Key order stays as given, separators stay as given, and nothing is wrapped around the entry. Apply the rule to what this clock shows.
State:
{"hour": 10, "minute": 10}
